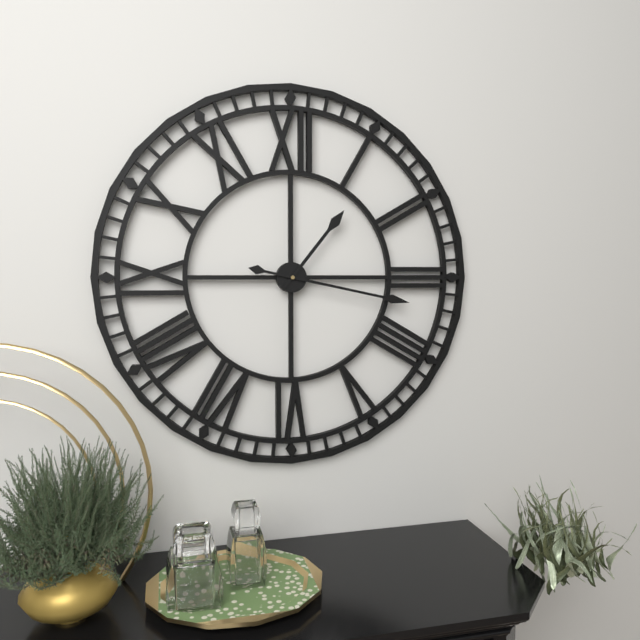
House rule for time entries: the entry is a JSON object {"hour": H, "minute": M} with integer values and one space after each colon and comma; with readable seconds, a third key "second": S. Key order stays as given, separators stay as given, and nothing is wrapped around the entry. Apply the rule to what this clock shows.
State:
{"hour": 1, "minute": 17}
